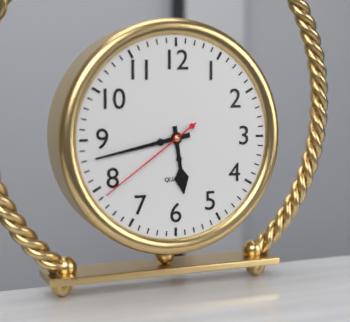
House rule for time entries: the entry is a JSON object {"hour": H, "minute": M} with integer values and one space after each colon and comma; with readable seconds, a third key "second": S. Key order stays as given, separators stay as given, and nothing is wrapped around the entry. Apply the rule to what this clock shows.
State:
{"hour": 5, "minute": 43, "second": 39}
